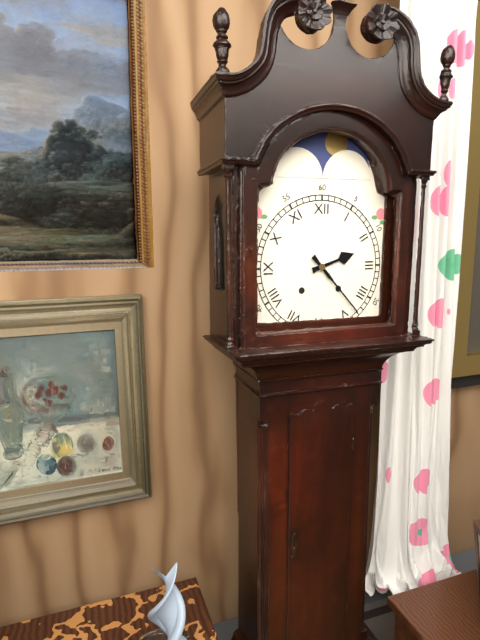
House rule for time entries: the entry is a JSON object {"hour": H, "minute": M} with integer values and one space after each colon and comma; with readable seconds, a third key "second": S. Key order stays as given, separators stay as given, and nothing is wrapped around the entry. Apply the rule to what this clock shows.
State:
{"hour": 2, "minute": 23}
